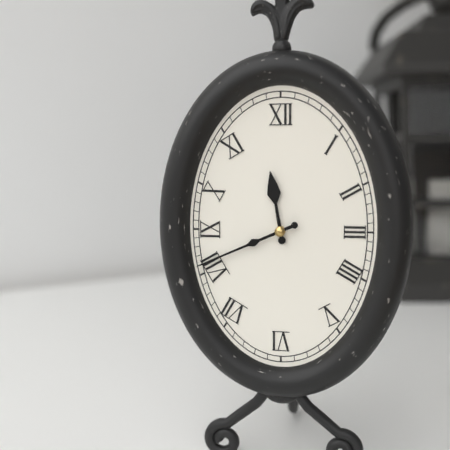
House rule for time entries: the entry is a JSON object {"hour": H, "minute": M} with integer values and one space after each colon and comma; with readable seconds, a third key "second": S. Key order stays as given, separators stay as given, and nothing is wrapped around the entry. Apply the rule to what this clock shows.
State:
{"hour": 11, "minute": 41}
